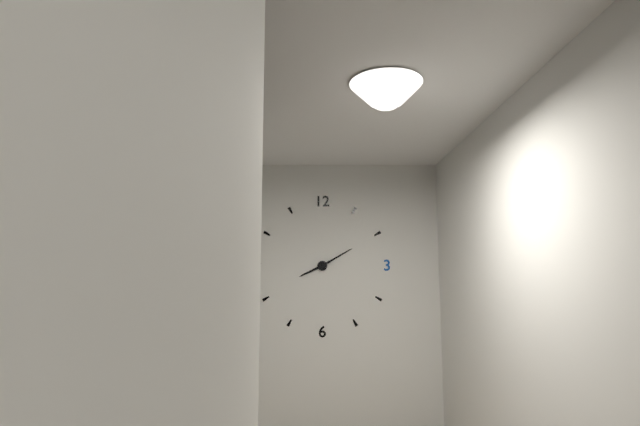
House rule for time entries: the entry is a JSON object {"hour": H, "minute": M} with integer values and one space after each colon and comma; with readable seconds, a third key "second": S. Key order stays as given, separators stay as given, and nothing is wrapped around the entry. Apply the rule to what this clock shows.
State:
{"hour": 8, "minute": 10}
